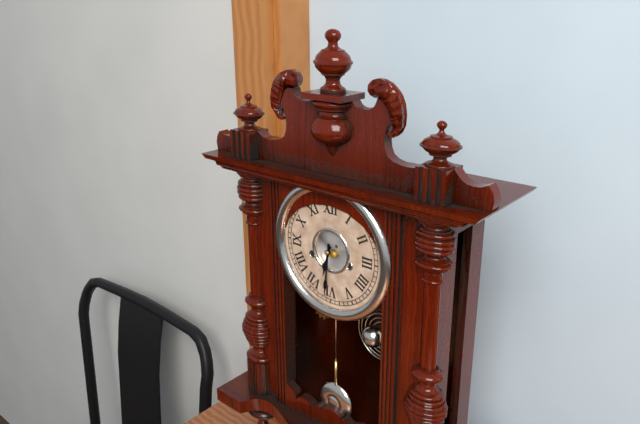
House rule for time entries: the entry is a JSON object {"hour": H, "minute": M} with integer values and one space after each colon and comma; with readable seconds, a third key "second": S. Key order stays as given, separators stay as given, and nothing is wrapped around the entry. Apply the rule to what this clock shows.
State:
{"hour": 6, "minute": 31}
